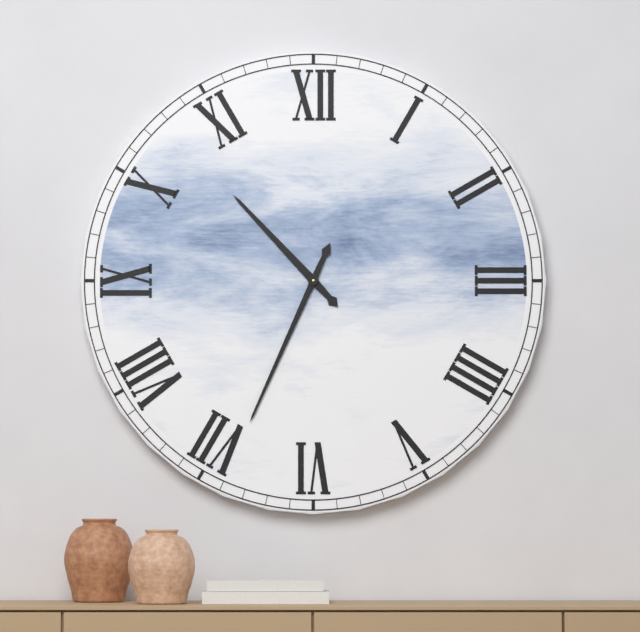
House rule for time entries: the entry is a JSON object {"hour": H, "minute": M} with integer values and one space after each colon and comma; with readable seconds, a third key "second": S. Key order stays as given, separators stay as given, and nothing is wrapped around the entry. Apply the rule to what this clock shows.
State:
{"hour": 10, "minute": 34}
